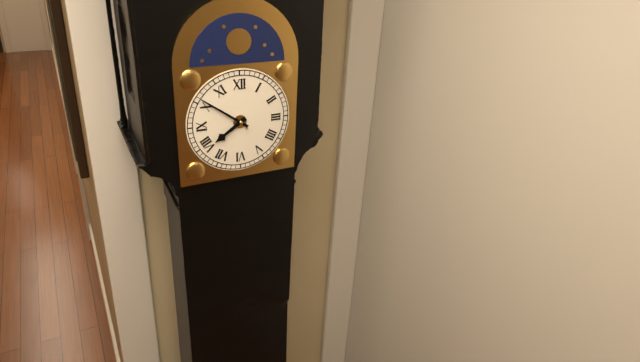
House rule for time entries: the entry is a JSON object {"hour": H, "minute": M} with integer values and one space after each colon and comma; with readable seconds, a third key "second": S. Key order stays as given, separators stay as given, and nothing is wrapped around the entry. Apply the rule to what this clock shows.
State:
{"hour": 7, "minute": 51}
